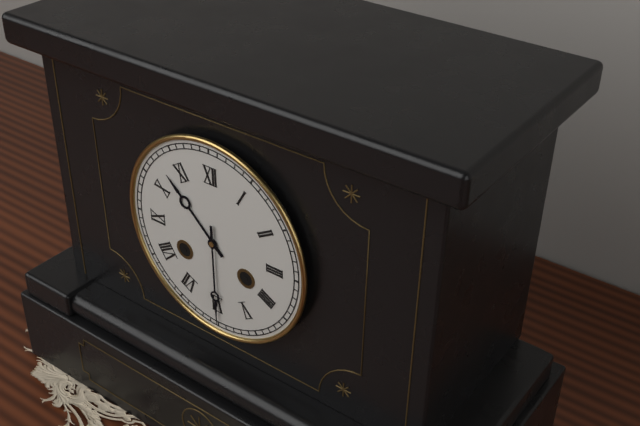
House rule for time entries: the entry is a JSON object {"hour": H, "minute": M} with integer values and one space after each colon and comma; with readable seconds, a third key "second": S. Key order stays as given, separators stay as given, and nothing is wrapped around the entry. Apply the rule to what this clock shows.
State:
{"hour": 10, "minute": 30}
